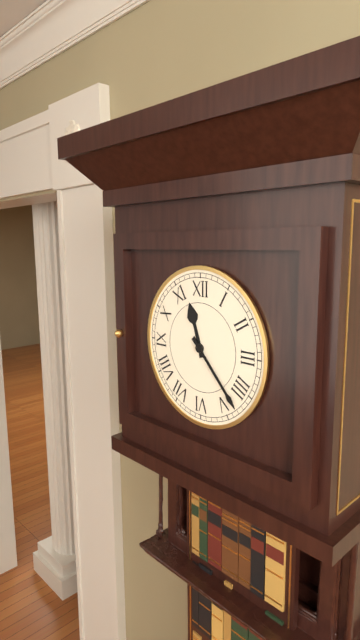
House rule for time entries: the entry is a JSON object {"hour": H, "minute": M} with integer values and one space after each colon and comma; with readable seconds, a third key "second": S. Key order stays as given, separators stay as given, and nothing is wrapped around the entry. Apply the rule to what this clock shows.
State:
{"hour": 11, "minute": 23}
